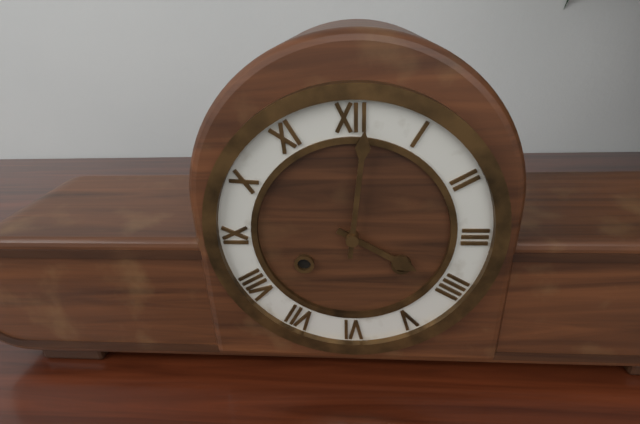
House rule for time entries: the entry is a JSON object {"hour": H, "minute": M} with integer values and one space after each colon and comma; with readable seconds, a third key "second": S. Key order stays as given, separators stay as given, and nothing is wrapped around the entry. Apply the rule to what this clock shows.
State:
{"hour": 4, "minute": 1}
